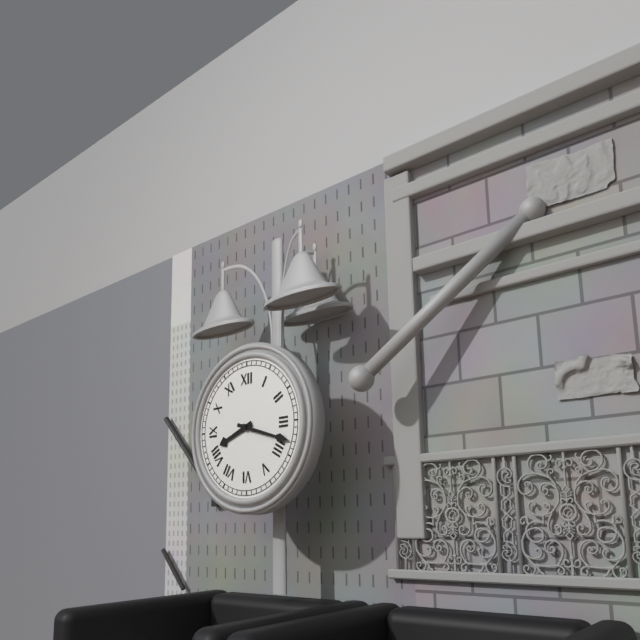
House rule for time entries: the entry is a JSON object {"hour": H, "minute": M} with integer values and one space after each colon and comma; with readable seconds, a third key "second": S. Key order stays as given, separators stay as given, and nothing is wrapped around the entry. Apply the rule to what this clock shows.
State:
{"hour": 8, "minute": 18}
